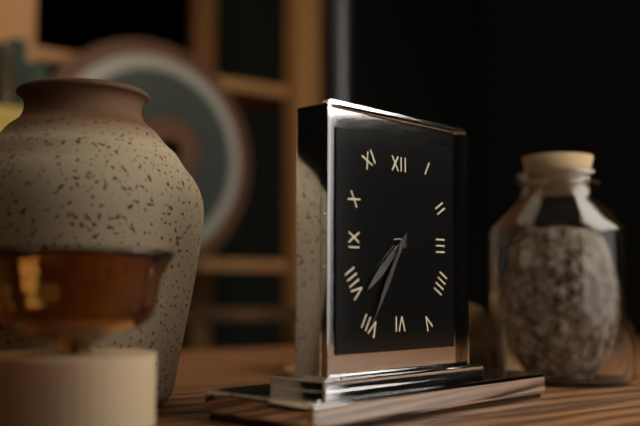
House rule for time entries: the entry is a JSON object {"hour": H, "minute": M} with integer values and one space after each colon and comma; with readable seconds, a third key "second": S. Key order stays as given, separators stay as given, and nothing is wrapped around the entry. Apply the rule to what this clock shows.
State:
{"hour": 7, "minute": 35}
